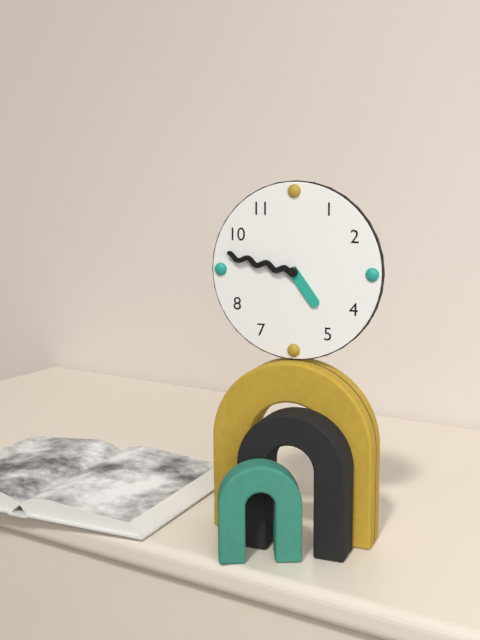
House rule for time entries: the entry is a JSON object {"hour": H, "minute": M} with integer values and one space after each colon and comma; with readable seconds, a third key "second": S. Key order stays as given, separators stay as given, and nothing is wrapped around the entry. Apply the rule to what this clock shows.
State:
{"hour": 4, "minute": 47}
